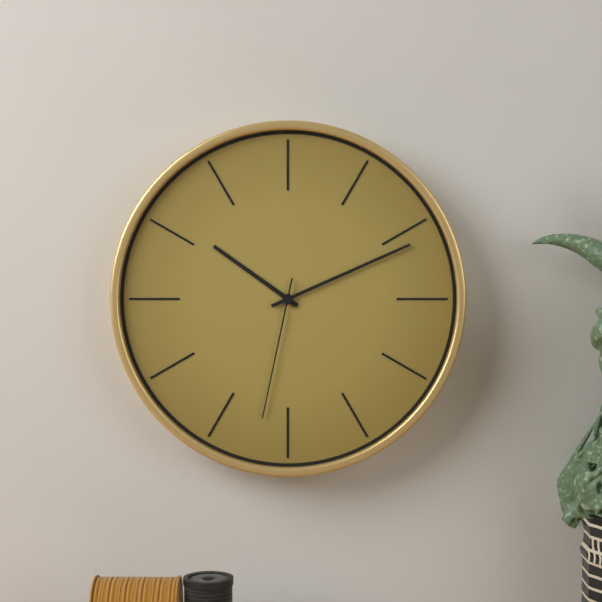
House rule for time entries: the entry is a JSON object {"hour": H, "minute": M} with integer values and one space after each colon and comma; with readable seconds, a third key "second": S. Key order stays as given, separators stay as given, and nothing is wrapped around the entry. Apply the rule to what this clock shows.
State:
{"hour": 10, "minute": 11, "second": 32}
